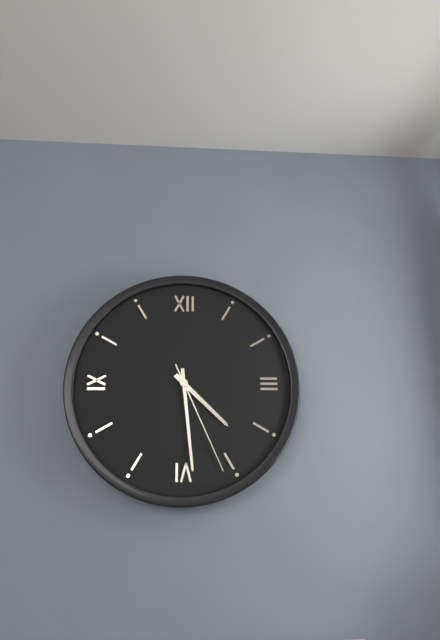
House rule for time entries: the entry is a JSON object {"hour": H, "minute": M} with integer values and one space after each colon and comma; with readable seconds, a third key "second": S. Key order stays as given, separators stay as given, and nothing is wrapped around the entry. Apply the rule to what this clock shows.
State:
{"hour": 4, "minute": 29, "second": 26}
